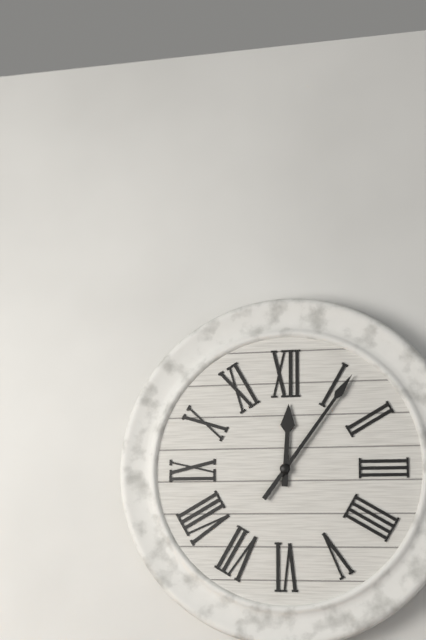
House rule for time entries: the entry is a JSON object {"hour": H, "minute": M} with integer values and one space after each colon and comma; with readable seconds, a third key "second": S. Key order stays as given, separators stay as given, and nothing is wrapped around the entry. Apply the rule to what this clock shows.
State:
{"hour": 12, "minute": 6}
